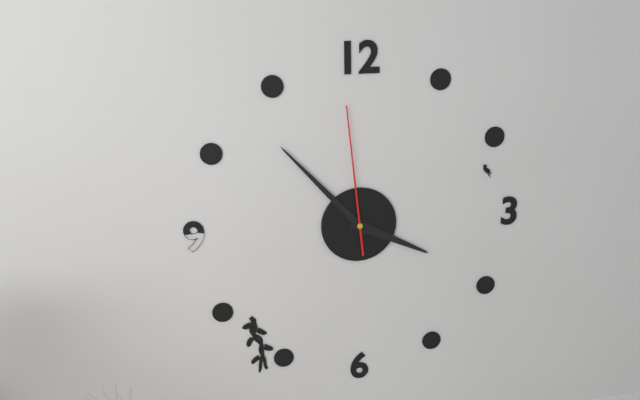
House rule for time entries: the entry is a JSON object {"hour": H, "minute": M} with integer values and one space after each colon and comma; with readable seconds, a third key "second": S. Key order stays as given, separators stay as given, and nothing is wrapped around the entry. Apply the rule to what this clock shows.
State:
{"hour": 3, "minute": 53, "second": 59}
